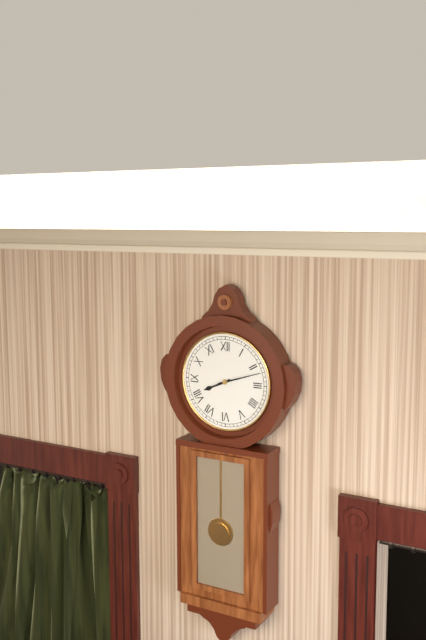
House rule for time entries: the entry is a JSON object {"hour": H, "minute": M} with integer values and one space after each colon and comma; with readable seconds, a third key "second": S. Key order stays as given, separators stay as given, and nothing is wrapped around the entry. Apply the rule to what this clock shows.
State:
{"hour": 8, "minute": 12}
